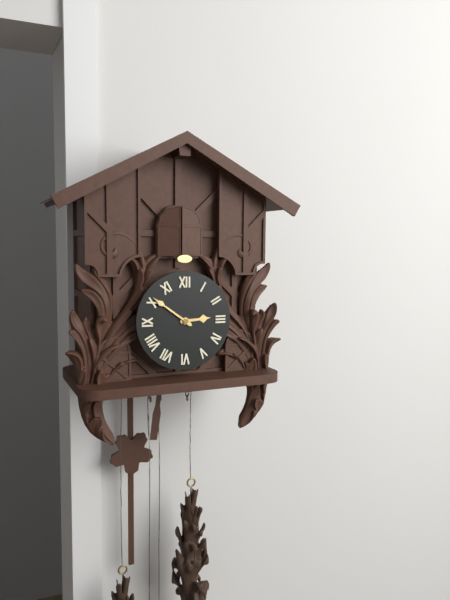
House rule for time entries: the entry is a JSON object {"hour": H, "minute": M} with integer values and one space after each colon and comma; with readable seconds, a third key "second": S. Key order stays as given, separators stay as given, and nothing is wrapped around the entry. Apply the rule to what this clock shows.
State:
{"hour": 2, "minute": 51}
